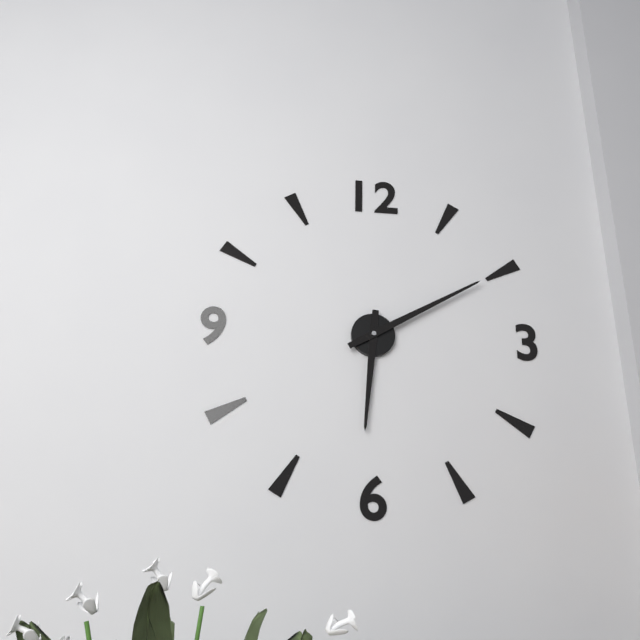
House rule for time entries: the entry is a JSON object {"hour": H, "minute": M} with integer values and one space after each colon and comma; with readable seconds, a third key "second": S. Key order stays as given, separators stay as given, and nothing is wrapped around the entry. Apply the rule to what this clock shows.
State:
{"hour": 6, "minute": 10}
